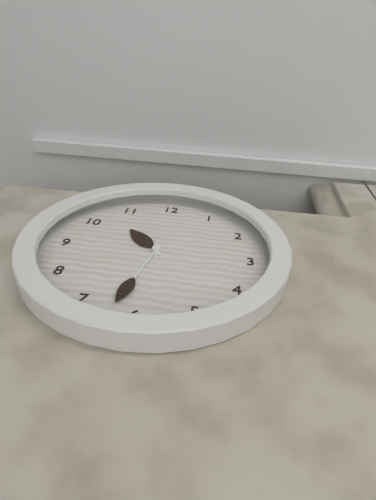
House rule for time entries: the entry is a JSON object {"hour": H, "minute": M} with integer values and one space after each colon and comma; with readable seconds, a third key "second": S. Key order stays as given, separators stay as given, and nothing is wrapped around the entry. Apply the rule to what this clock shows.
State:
{"hour": 10, "minute": 32}
